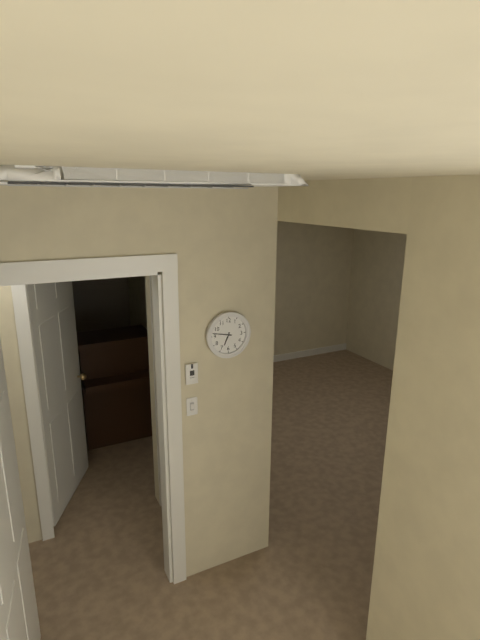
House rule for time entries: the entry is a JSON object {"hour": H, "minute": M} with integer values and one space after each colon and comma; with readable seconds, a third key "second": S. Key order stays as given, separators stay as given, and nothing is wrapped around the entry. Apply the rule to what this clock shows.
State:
{"hour": 6, "minute": 47}
